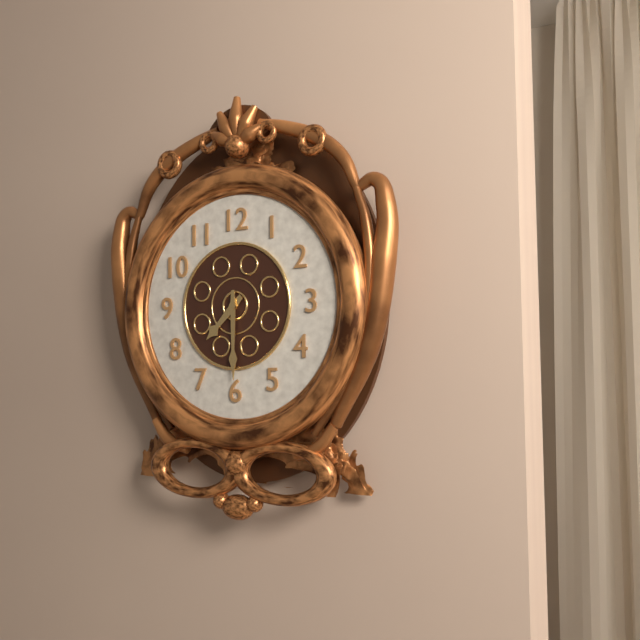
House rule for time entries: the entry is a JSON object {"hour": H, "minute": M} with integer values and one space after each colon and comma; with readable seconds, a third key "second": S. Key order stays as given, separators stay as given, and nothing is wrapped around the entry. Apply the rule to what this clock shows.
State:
{"hour": 7, "minute": 30}
